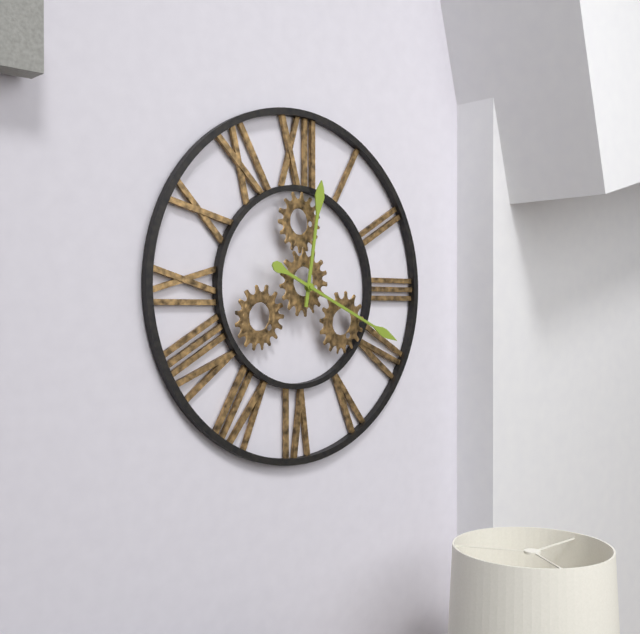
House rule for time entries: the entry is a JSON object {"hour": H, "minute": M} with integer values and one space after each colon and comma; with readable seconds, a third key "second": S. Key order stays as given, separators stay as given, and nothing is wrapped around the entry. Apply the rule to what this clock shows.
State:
{"hour": 12, "minute": 19}
